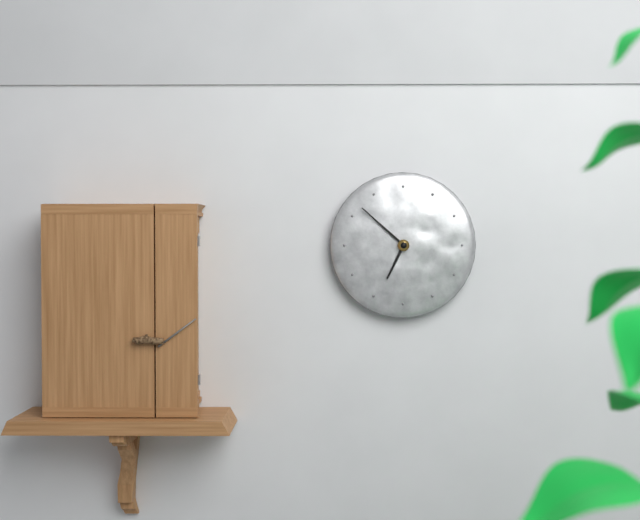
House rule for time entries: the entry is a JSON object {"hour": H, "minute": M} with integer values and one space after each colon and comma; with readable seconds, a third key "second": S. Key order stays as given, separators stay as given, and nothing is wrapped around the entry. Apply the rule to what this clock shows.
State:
{"hour": 6, "minute": 52}
